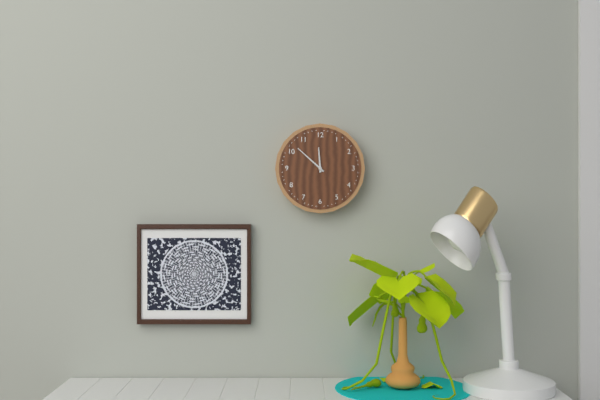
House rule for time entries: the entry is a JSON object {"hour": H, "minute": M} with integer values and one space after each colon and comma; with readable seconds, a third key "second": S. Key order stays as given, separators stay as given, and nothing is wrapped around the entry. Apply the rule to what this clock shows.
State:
{"hour": 11, "minute": 52}
